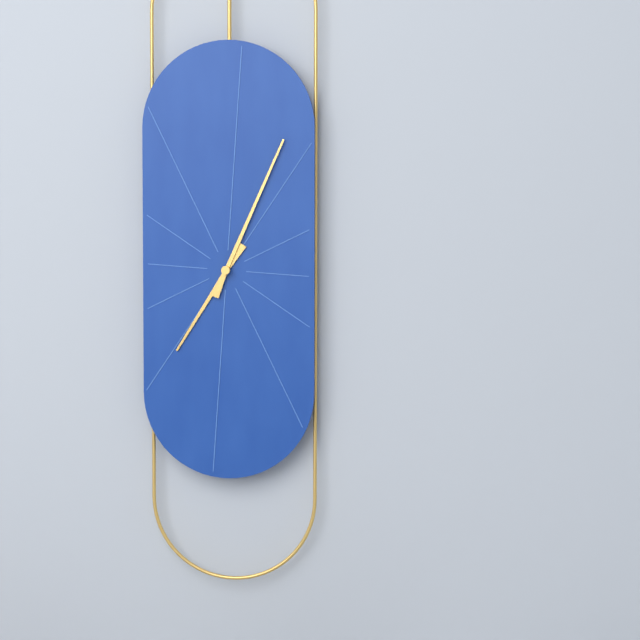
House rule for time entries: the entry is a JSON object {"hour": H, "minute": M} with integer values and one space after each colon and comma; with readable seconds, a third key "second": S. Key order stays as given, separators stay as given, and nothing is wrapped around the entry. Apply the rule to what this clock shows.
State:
{"hour": 7, "minute": 4}
